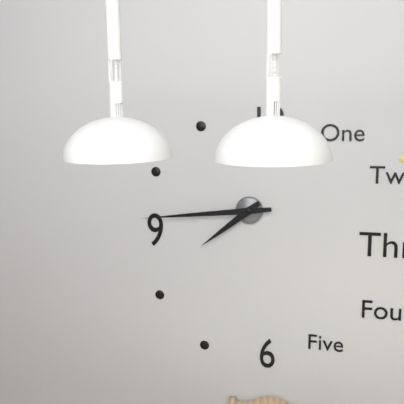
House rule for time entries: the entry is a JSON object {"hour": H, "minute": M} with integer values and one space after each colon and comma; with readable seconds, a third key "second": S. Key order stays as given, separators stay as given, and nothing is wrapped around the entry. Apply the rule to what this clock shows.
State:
{"hour": 7, "minute": 44}
